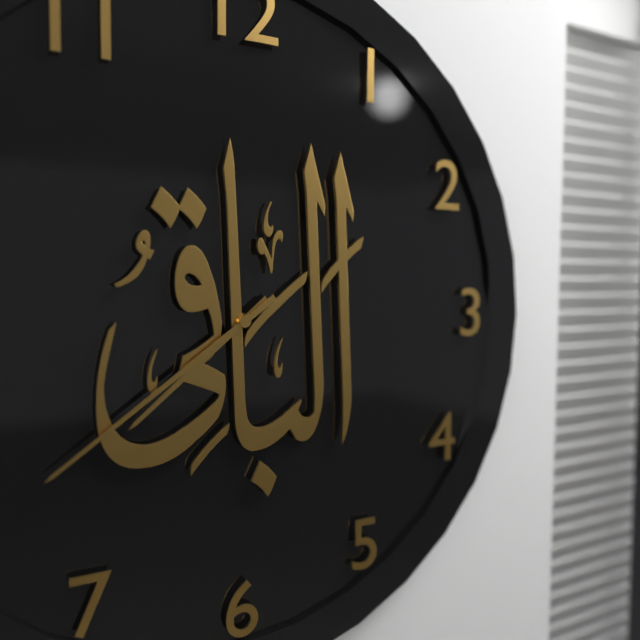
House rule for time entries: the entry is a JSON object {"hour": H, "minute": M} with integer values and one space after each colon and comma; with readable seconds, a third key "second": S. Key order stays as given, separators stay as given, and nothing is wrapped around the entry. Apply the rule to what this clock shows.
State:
{"hour": 7, "minute": 39}
